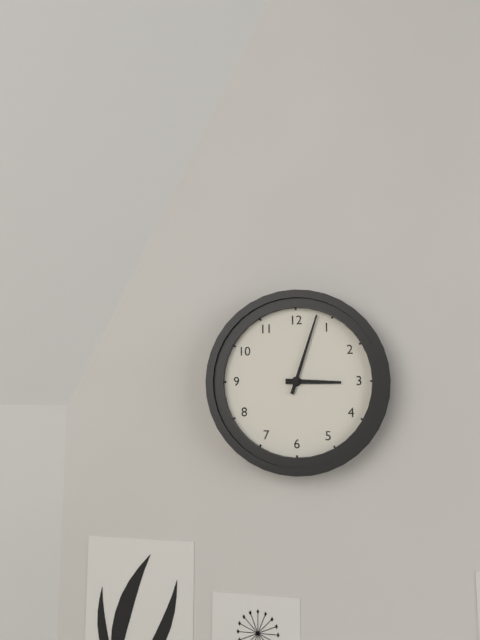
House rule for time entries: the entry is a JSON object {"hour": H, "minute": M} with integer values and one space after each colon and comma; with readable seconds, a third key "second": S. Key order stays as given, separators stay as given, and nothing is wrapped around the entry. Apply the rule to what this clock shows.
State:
{"hour": 3, "minute": 3}
